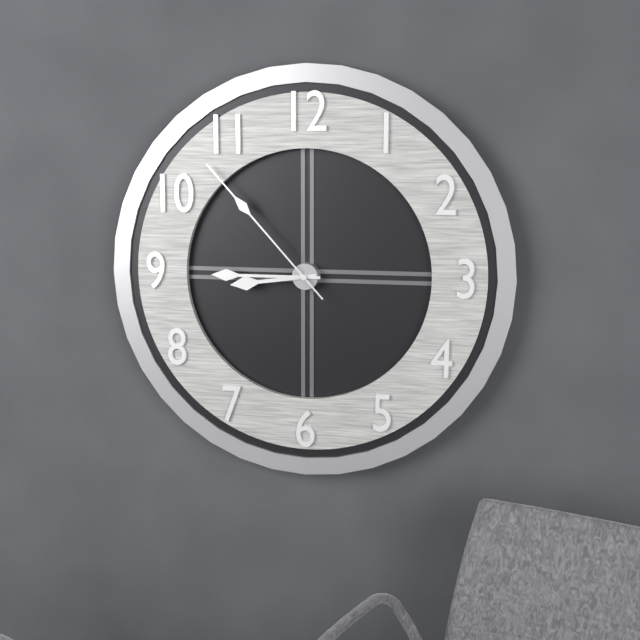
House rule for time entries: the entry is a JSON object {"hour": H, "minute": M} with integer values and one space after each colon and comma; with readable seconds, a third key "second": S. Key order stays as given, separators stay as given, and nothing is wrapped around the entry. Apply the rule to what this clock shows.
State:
{"hour": 8, "minute": 45, "second": 53}
